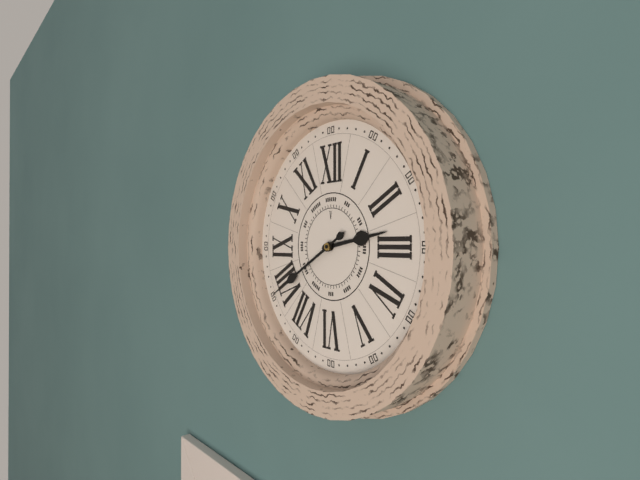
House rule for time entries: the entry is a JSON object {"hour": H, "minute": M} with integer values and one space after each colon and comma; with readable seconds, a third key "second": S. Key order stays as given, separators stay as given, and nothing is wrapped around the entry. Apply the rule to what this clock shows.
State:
{"hour": 2, "minute": 40}
